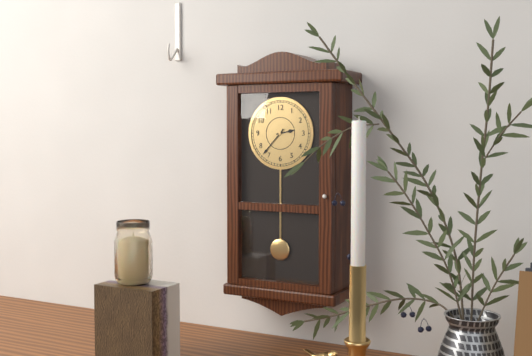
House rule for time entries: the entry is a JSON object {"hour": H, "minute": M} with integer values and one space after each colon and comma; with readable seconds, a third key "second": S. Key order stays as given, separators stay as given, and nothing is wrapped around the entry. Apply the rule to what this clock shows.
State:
{"hour": 2, "minute": 37}
